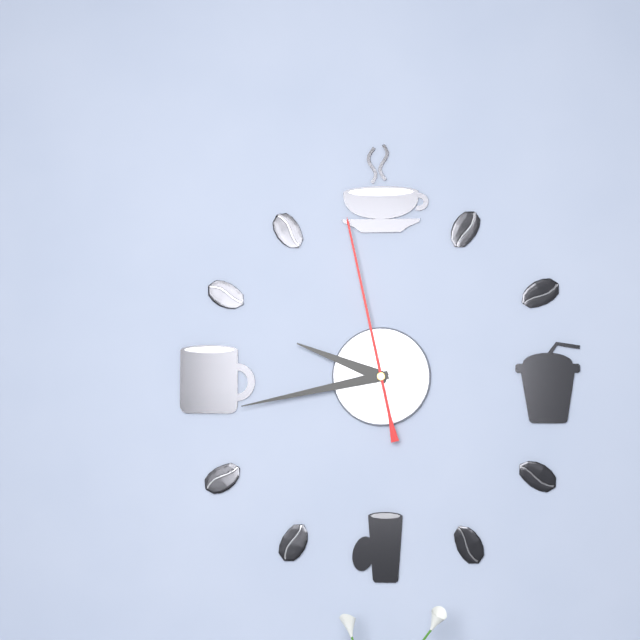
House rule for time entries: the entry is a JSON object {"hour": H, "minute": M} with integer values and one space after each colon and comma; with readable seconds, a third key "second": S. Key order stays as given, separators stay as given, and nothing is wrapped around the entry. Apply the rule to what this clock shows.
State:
{"hour": 9, "minute": 43, "second": 58}
